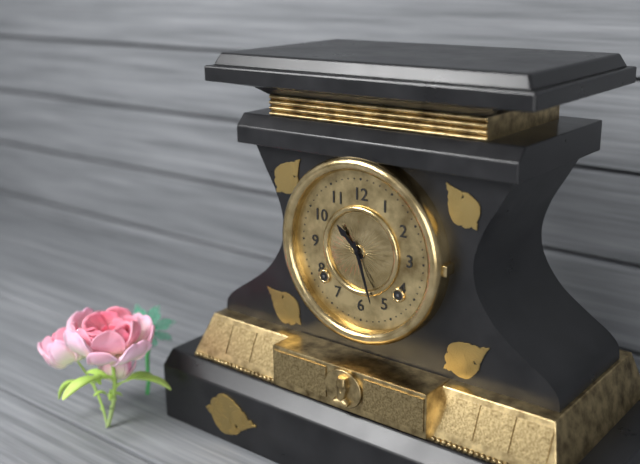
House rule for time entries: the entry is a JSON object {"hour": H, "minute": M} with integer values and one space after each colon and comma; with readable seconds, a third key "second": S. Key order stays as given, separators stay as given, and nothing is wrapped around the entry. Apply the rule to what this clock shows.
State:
{"hour": 10, "minute": 27}
